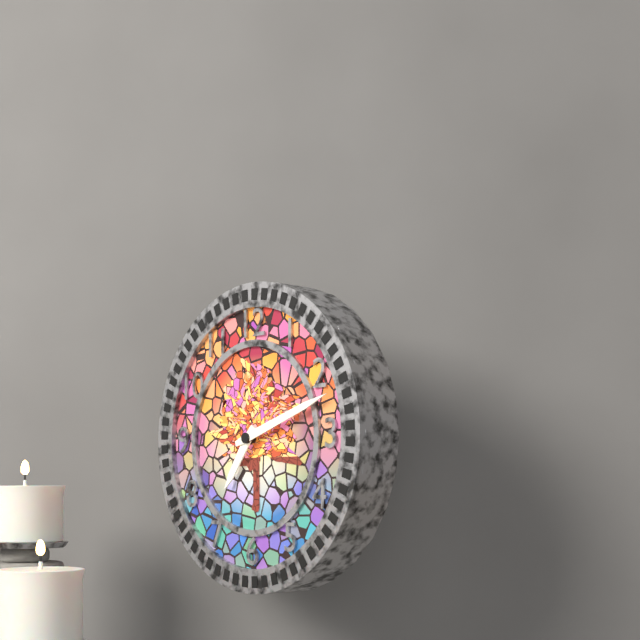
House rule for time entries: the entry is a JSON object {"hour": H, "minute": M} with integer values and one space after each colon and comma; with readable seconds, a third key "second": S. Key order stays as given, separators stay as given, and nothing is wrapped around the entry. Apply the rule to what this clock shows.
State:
{"hour": 7, "minute": 12}
